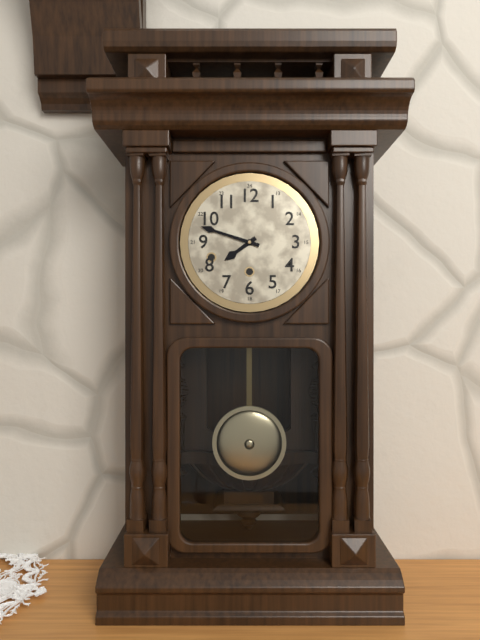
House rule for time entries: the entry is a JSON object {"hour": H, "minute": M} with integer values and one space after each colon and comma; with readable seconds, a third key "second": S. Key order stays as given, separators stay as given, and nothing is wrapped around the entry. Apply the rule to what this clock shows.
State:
{"hour": 7, "minute": 48}
